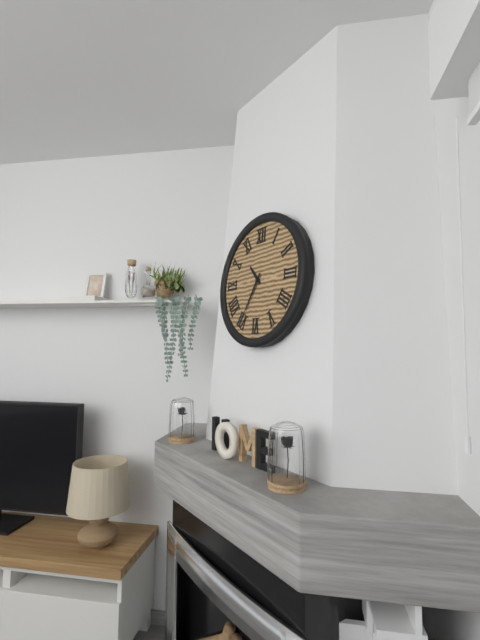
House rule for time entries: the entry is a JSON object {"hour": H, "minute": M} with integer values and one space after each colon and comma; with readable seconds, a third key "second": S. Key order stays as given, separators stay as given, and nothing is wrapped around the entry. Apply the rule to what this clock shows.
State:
{"hour": 10, "minute": 35}
